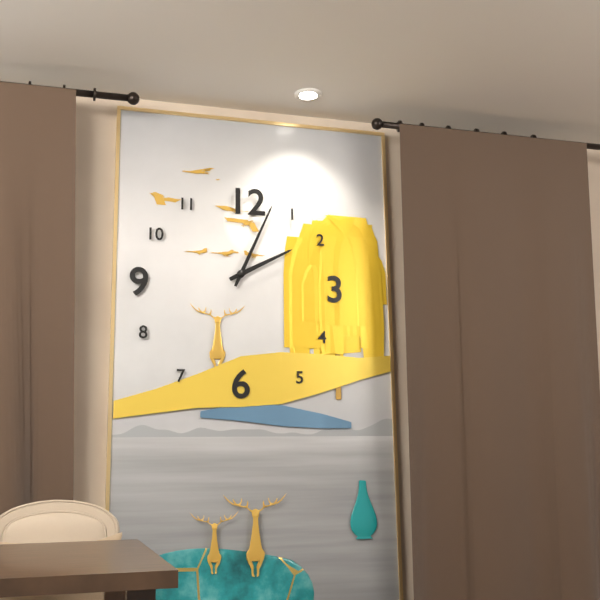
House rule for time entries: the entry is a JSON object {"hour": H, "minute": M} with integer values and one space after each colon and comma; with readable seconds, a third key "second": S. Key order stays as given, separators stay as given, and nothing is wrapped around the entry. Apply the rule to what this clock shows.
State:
{"hour": 2, "minute": 4}
